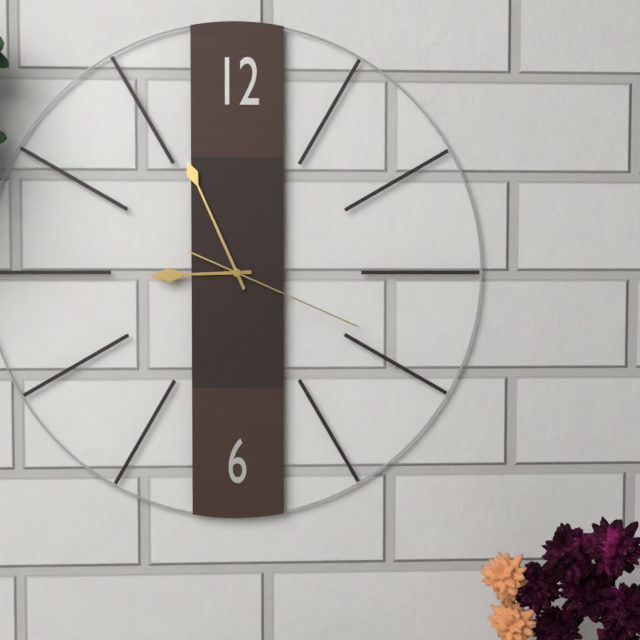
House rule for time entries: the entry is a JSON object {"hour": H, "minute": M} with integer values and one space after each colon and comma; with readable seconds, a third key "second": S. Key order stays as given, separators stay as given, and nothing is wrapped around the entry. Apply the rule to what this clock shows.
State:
{"hour": 8, "minute": 56, "second": 19}
